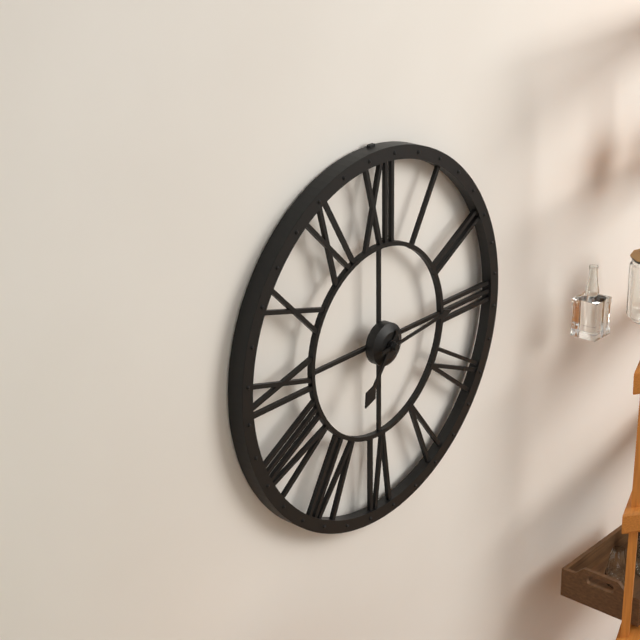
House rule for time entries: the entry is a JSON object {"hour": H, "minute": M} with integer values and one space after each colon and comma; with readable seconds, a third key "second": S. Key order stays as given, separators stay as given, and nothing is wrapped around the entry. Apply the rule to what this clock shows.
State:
{"hour": 7, "minute": 14}
